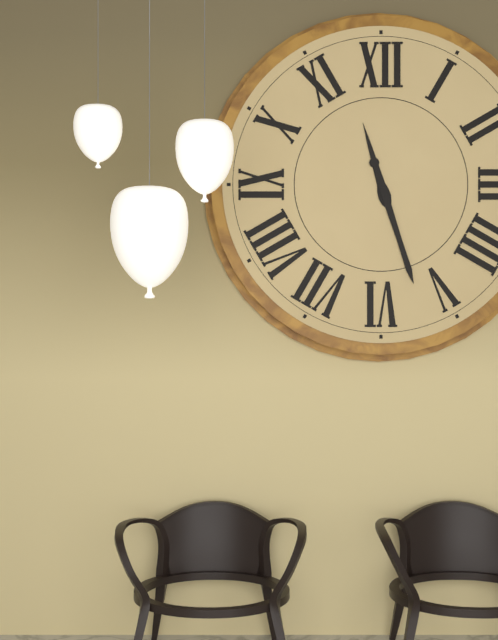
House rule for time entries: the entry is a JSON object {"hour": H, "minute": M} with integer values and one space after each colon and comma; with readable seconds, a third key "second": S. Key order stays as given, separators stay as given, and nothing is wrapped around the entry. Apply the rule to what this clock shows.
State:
{"hour": 11, "minute": 27}
